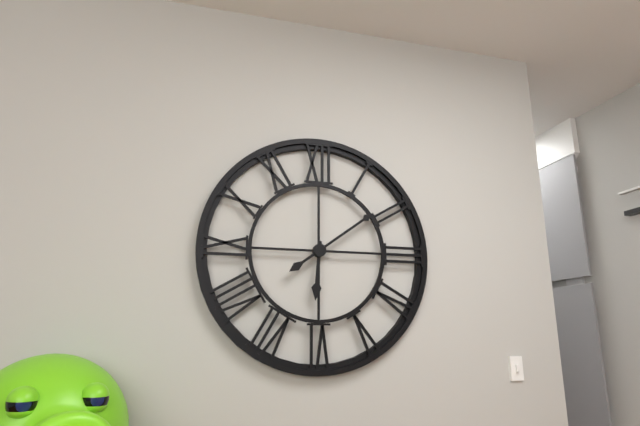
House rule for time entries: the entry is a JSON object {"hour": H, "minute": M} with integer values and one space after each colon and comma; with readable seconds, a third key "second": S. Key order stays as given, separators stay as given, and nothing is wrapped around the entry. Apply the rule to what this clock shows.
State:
{"hour": 6, "minute": 9}
